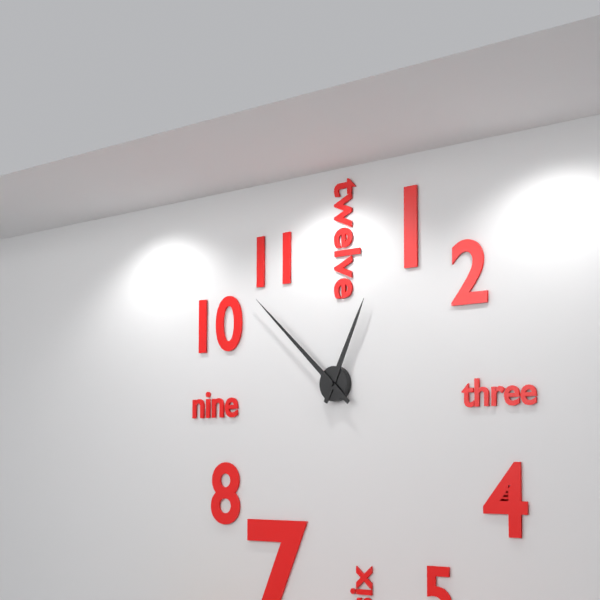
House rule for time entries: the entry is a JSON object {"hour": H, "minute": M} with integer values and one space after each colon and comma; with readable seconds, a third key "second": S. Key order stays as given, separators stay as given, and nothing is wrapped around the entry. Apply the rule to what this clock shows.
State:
{"hour": 12, "minute": 52}
